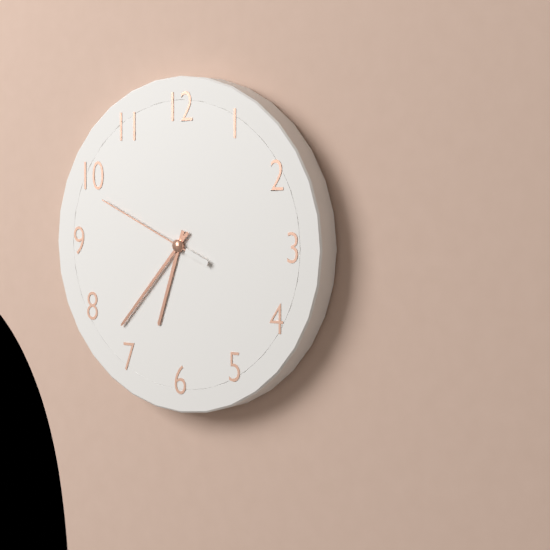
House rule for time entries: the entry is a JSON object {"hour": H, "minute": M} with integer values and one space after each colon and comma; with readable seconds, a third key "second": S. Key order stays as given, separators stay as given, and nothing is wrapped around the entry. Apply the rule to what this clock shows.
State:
{"hour": 6, "minute": 37, "second": 49}
